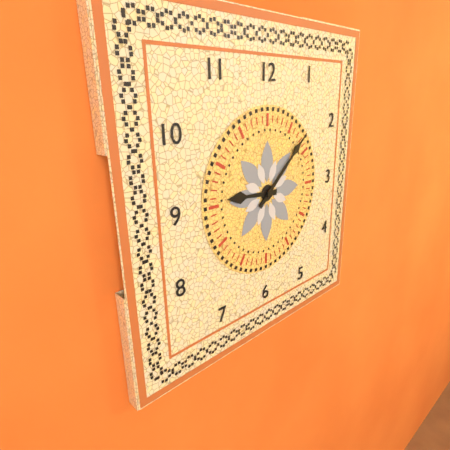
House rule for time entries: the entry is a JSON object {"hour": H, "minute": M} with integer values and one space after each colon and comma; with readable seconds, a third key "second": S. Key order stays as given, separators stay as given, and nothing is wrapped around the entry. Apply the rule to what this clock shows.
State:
{"hour": 9, "minute": 8}
